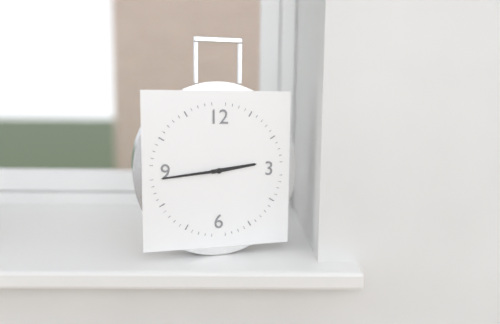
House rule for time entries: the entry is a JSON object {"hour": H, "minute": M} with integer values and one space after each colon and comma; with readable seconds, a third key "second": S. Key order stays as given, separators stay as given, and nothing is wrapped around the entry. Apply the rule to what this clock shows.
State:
{"hour": 2, "minute": 44}
